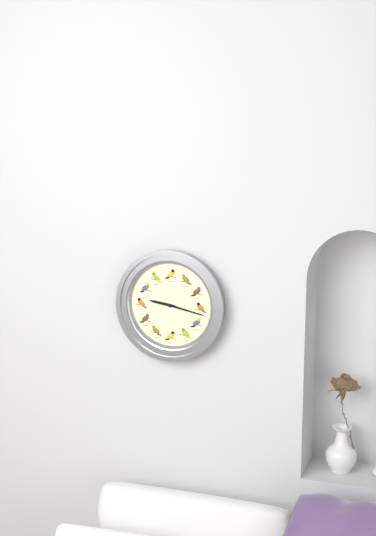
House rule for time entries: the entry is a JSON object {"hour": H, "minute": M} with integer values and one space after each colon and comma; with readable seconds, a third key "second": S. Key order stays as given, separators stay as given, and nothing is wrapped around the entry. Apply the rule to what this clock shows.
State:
{"hour": 9, "minute": 17}
